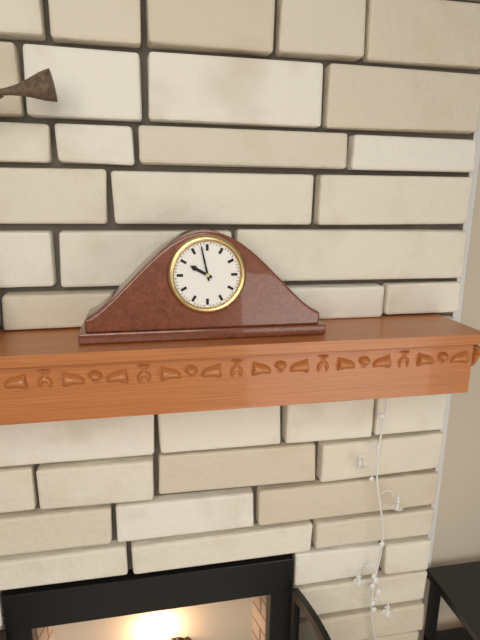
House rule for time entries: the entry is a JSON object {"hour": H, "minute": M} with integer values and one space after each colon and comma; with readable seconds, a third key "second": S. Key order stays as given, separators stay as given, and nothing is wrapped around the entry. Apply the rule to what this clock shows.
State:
{"hour": 9, "minute": 58}
